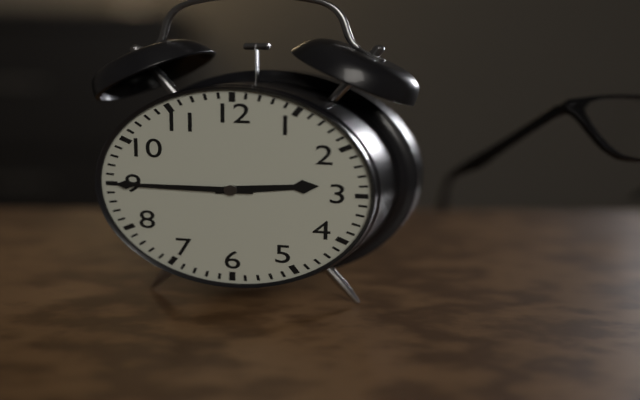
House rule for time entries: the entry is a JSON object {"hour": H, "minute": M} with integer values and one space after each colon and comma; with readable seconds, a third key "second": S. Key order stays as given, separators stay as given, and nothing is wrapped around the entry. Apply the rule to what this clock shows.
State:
{"hour": 2, "minute": 45}
